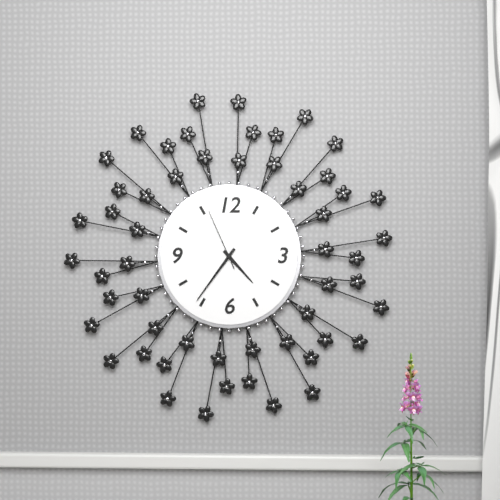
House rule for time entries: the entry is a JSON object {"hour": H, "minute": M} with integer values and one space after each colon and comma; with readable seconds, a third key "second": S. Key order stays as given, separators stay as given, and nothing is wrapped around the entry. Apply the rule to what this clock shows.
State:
{"hour": 4, "minute": 36, "second": 56}
